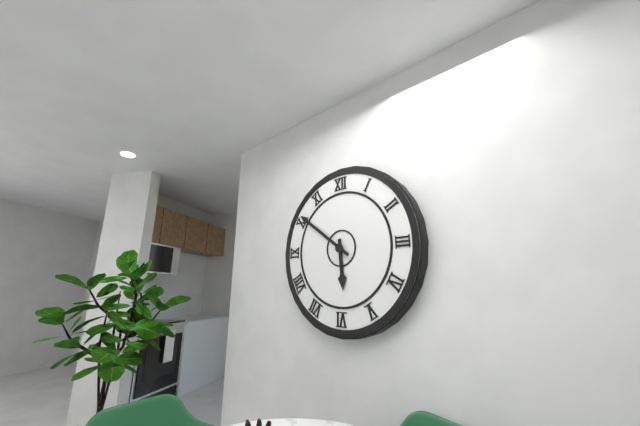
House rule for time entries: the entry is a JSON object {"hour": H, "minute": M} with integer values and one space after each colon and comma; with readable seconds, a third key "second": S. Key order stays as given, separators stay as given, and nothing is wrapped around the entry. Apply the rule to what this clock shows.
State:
{"hour": 5, "minute": 51}
